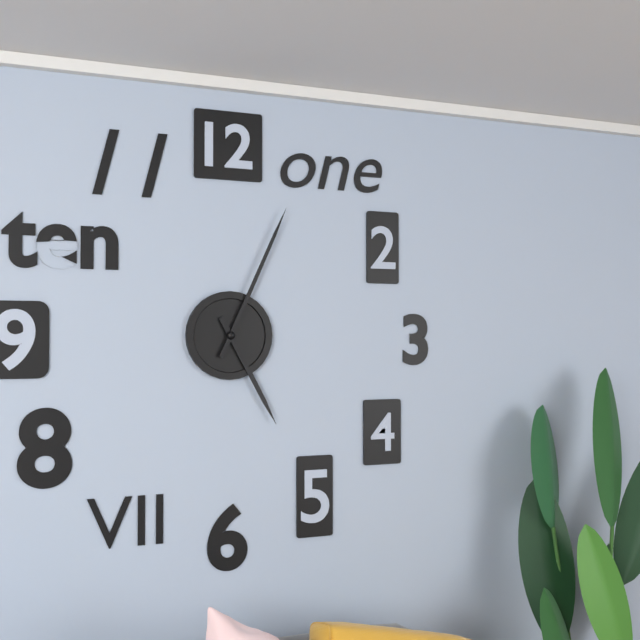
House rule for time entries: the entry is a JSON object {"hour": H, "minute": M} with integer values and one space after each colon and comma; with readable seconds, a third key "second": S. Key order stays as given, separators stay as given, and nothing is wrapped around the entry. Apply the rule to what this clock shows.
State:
{"hour": 5, "minute": 4}
